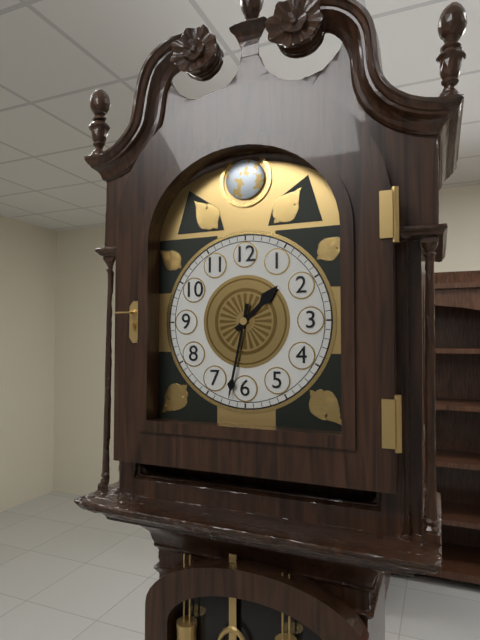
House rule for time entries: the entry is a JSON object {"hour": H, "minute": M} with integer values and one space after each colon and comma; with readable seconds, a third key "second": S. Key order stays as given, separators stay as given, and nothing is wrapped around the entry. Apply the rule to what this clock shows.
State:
{"hour": 1, "minute": 32}
